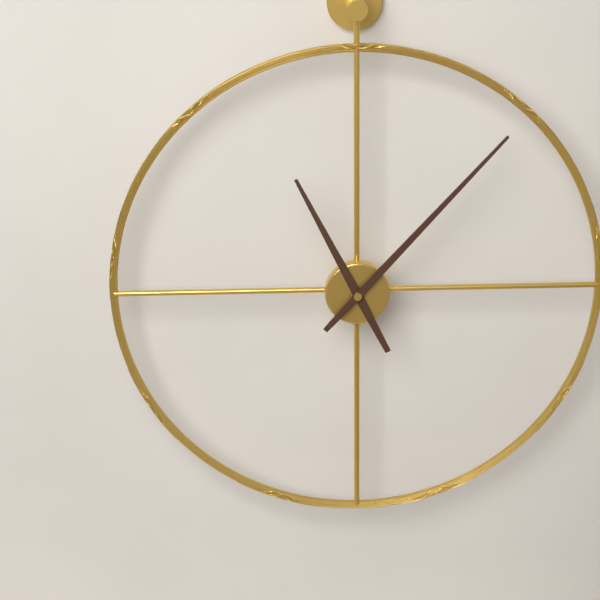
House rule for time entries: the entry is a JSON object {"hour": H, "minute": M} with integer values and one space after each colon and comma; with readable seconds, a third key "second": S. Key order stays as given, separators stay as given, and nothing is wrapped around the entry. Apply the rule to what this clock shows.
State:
{"hour": 11, "minute": 7}
